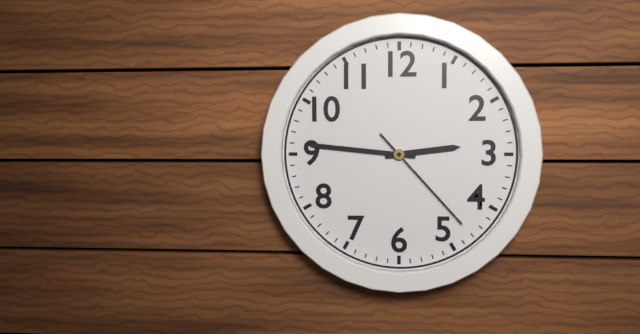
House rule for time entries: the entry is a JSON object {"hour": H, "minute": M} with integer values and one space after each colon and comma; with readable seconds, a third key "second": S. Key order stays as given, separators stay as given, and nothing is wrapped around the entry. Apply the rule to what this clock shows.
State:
{"hour": 2, "minute": 46, "second": 23}
